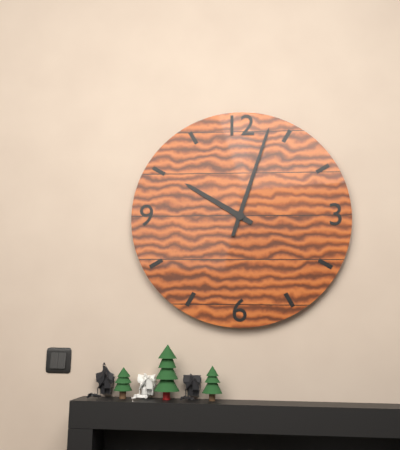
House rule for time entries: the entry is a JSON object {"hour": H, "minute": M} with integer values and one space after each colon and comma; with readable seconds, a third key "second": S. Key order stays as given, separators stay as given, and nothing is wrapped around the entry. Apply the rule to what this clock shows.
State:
{"hour": 10, "minute": 3}
